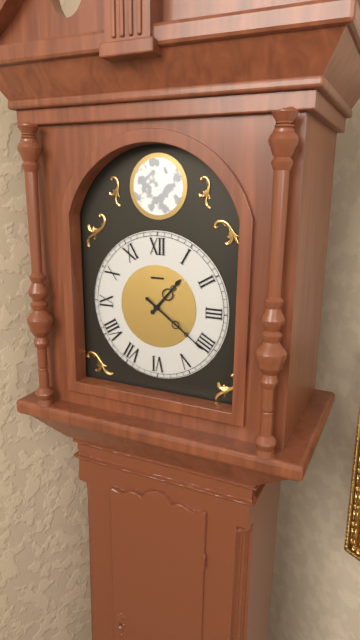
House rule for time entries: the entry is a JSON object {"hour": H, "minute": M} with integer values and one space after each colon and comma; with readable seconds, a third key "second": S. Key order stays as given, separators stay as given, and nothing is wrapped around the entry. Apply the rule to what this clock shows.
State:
{"hour": 1, "minute": 21}
